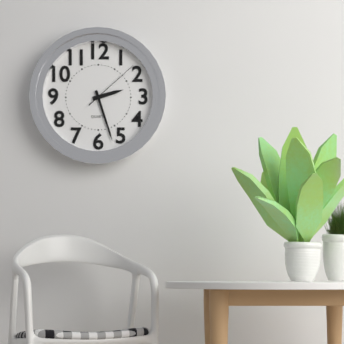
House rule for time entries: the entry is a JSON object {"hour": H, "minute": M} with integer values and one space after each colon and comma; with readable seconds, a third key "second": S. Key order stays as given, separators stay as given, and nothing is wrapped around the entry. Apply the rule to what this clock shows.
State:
{"hour": 2, "minute": 27, "second": 8}
